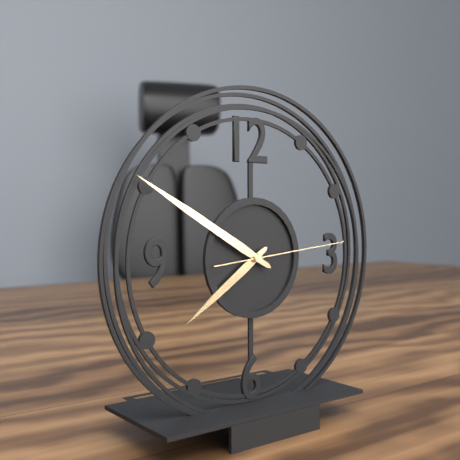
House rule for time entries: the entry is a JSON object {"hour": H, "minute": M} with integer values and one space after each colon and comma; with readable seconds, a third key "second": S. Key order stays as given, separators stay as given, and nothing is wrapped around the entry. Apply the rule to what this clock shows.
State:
{"hour": 7, "minute": 50, "second": 14}
